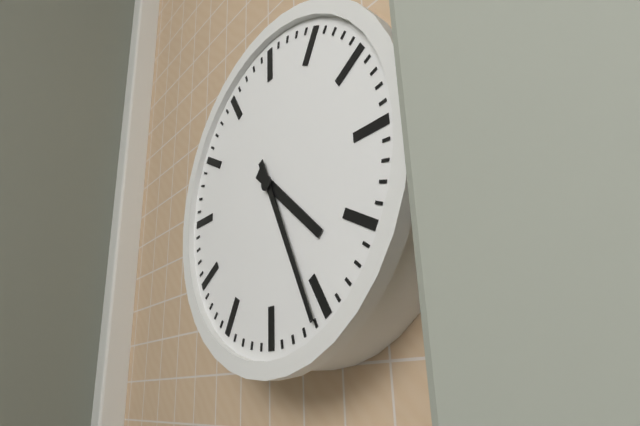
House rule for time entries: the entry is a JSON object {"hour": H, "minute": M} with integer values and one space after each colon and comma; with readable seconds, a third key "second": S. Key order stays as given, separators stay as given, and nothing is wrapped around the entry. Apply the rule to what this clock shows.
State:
{"hour": 4, "minute": 26}
